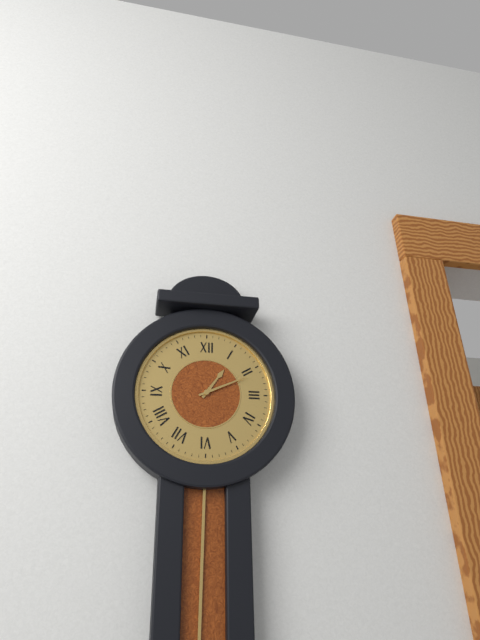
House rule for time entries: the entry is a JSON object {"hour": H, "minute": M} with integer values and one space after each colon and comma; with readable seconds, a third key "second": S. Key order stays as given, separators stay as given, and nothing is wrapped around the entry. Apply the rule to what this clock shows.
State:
{"hour": 1, "minute": 11}
